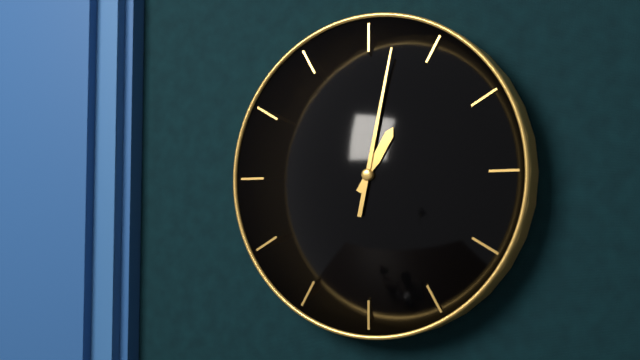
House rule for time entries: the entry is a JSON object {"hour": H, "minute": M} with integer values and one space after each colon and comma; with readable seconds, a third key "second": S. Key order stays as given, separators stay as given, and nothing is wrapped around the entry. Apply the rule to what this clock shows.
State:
{"hour": 1, "minute": 2}
